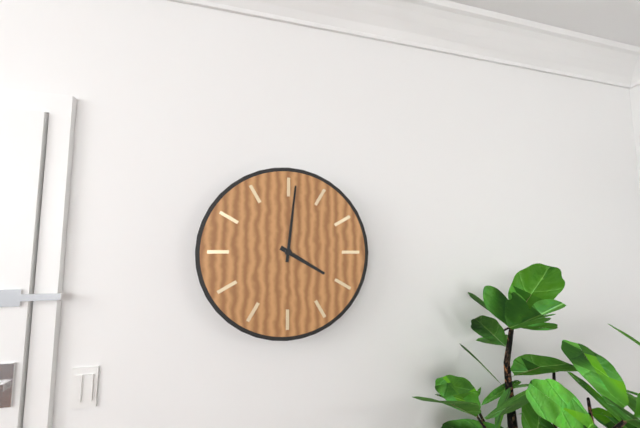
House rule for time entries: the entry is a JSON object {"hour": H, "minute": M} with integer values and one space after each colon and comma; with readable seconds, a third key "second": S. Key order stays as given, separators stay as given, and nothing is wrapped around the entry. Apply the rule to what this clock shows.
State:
{"hour": 4, "minute": 1}
